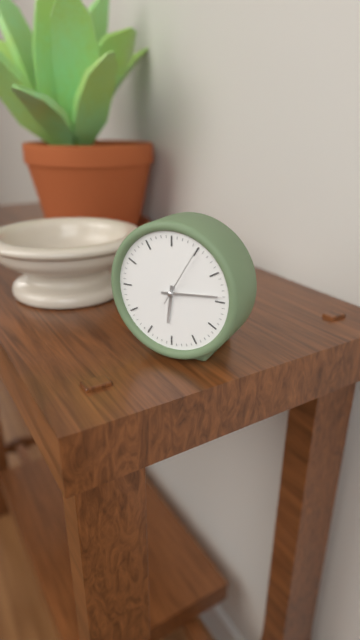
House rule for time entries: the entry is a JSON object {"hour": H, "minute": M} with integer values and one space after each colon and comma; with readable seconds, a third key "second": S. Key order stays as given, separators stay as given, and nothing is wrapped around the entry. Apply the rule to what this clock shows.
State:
{"hour": 6, "minute": 14, "second": 5}
